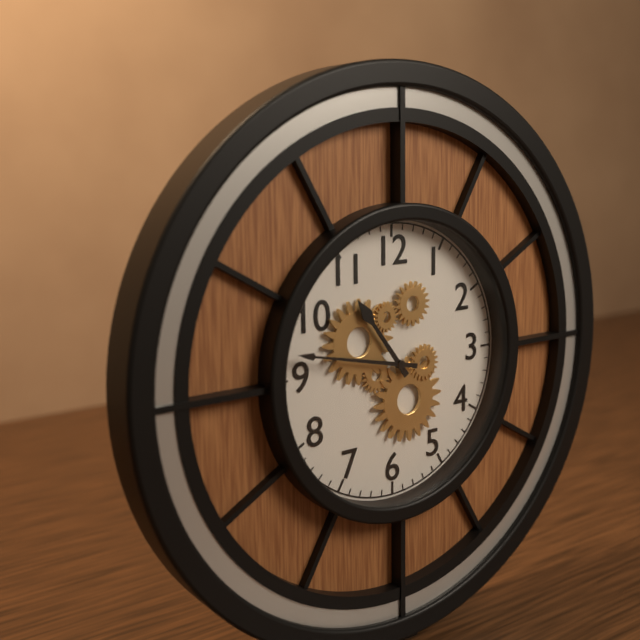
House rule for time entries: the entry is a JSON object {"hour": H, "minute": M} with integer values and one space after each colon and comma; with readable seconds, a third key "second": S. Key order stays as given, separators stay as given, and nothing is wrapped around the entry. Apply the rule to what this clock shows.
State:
{"hour": 10, "minute": 47}
